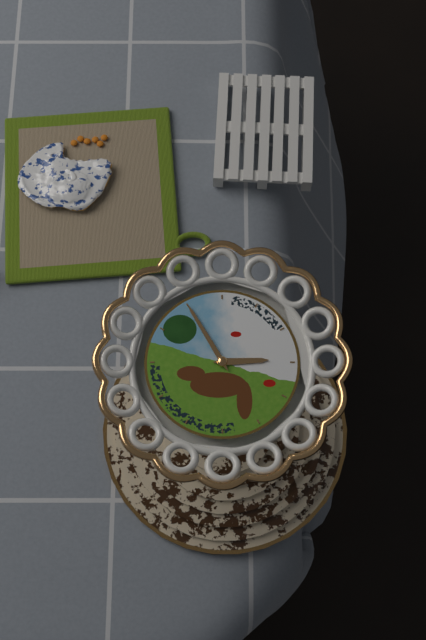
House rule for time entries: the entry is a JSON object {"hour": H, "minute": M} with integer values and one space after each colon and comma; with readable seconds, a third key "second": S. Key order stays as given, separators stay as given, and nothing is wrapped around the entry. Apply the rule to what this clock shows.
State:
{"hour": 2, "minute": 55}
